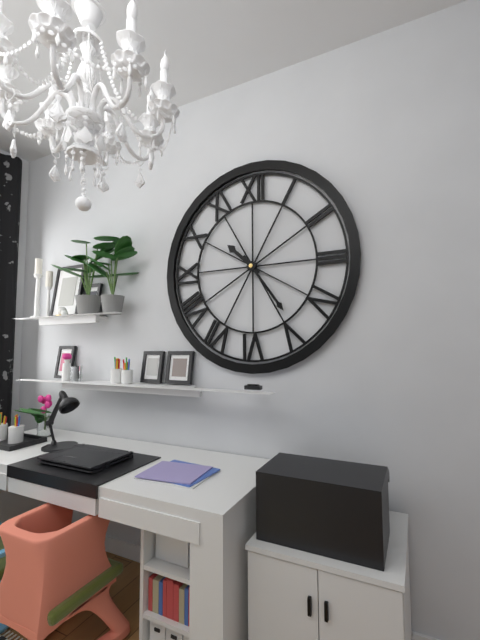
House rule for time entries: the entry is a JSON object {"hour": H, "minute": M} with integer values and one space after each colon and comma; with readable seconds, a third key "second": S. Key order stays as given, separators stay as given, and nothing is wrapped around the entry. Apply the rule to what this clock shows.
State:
{"hour": 10, "minute": 24}
